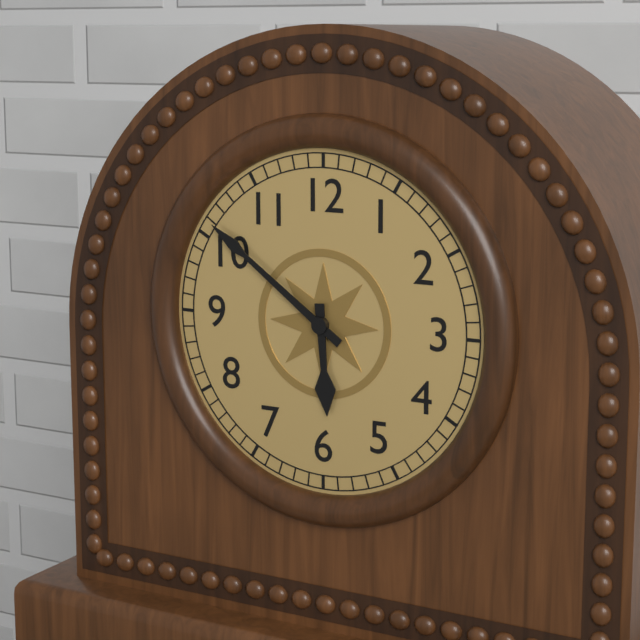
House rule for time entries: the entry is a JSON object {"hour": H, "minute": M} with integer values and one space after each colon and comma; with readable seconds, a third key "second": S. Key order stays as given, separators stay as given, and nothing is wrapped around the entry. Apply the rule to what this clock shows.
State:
{"hour": 5, "minute": 51}
